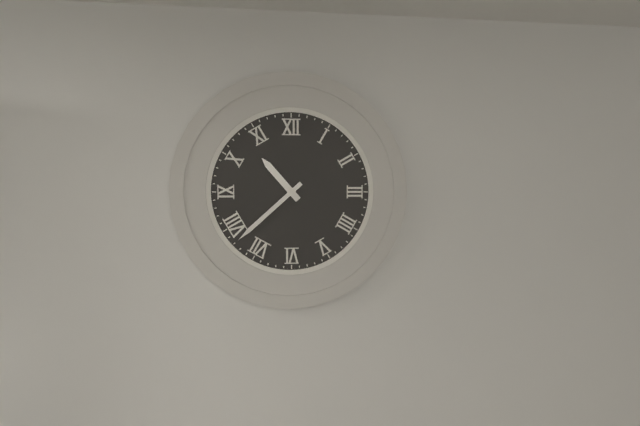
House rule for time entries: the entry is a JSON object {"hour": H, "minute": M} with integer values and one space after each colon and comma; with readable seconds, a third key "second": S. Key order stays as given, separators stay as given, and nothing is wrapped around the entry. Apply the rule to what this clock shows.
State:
{"hour": 10, "minute": 38}
